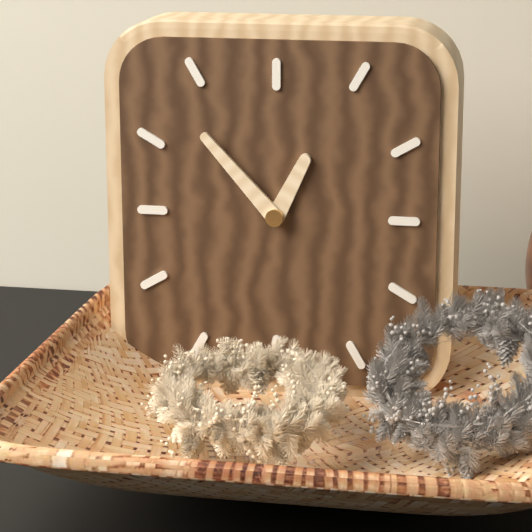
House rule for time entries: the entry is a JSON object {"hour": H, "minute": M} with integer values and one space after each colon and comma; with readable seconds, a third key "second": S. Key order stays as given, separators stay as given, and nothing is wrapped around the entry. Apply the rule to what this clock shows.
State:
{"hour": 12, "minute": 53}
